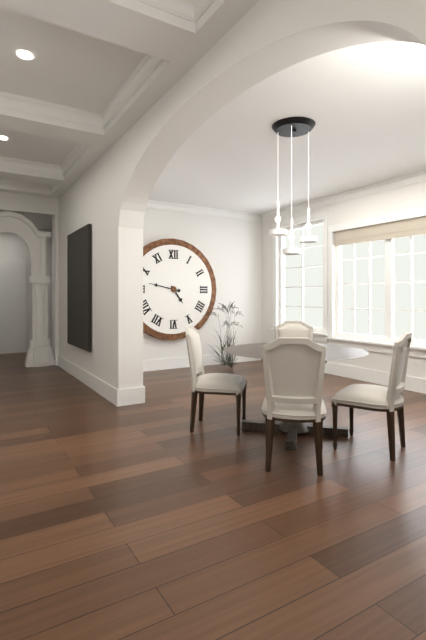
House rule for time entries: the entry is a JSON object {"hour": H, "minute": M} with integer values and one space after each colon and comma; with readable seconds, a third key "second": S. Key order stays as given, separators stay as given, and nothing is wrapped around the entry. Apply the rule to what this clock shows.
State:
{"hour": 4, "minute": 47}
